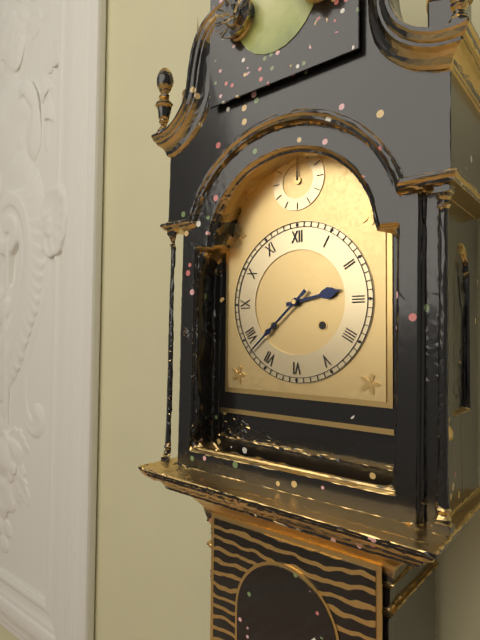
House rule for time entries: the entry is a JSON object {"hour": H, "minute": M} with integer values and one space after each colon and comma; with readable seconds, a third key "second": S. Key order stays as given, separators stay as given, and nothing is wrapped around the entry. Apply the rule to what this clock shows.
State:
{"hour": 2, "minute": 38}
